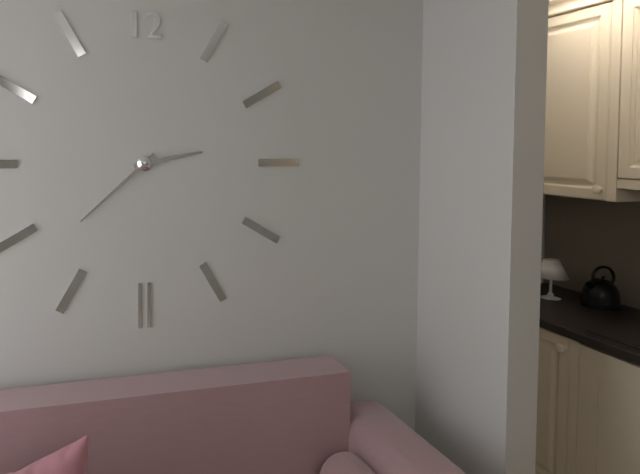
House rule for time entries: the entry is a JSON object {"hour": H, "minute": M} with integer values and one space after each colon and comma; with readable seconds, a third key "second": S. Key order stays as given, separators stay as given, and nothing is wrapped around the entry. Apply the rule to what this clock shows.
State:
{"hour": 2, "minute": 38}
